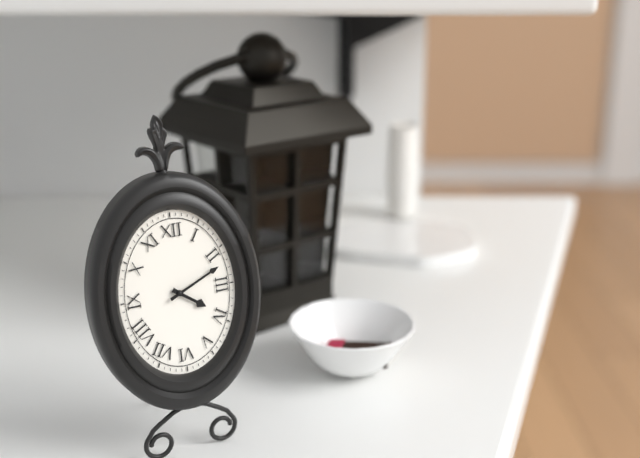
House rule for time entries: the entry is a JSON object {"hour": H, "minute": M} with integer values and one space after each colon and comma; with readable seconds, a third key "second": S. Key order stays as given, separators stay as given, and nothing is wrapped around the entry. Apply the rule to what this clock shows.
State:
{"hour": 4, "minute": 11}
